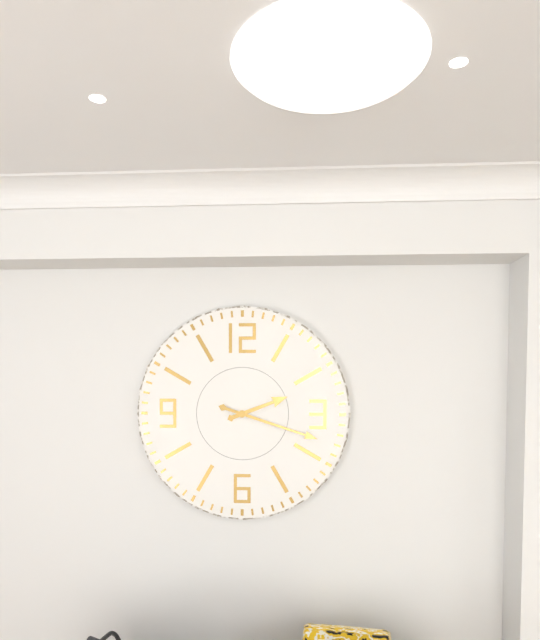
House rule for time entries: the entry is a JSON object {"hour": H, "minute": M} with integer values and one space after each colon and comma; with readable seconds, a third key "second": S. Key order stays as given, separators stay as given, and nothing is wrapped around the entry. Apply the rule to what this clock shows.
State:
{"hour": 2, "minute": 18}
